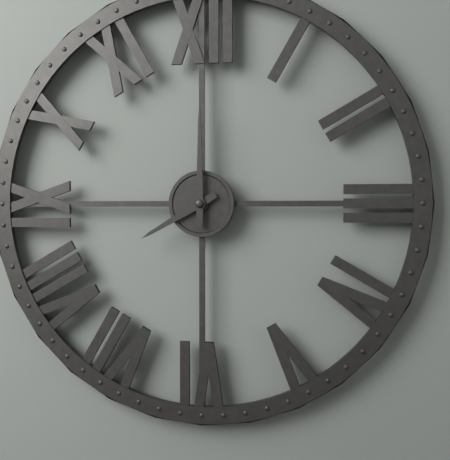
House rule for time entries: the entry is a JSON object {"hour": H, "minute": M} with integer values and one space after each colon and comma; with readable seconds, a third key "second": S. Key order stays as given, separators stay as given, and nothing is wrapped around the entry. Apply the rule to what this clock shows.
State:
{"hour": 8, "minute": 0}
